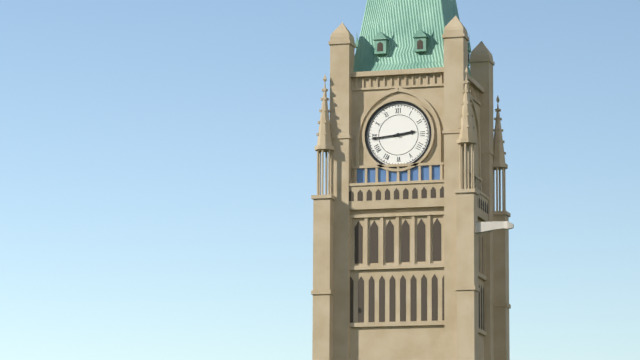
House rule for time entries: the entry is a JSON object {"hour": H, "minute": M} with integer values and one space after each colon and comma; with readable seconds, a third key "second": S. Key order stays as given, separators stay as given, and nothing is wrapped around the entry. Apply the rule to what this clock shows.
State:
{"hour": 2, "minute": 44}
